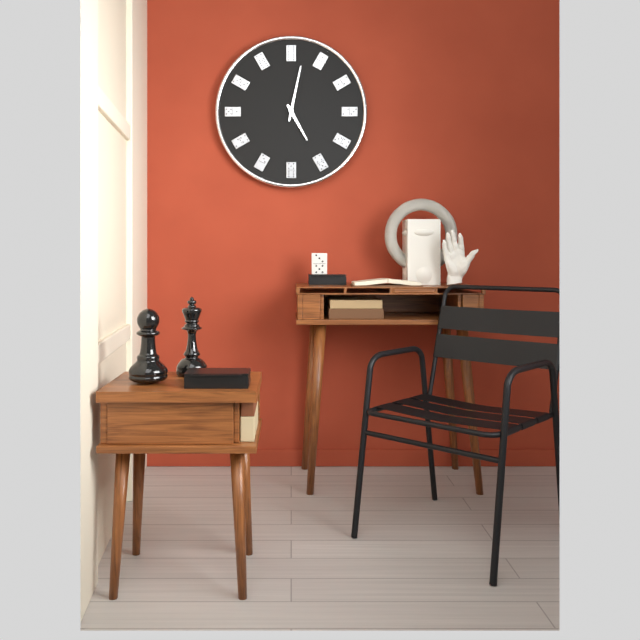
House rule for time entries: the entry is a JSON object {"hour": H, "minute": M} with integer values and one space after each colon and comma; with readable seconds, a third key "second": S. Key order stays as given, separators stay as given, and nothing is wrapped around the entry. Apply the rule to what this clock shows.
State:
{"hour": 5, "minute": 2}
